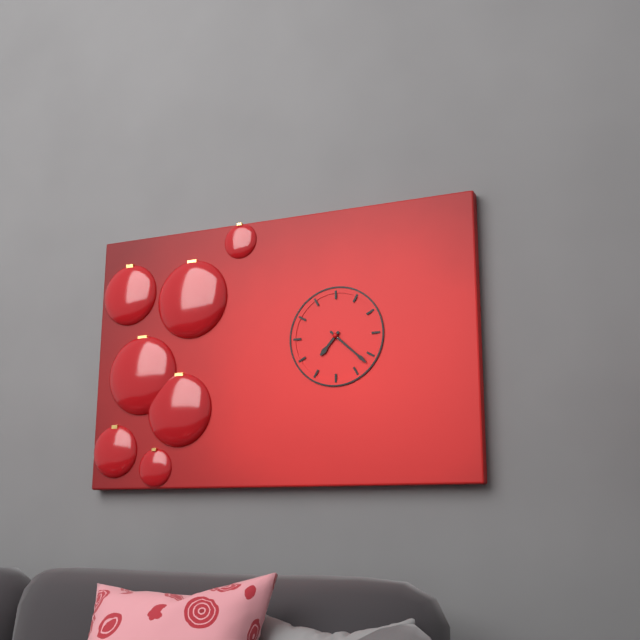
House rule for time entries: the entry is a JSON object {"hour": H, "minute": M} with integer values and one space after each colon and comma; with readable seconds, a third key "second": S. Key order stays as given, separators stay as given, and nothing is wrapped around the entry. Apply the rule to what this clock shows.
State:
{"hour": 7, "minute": 22}
